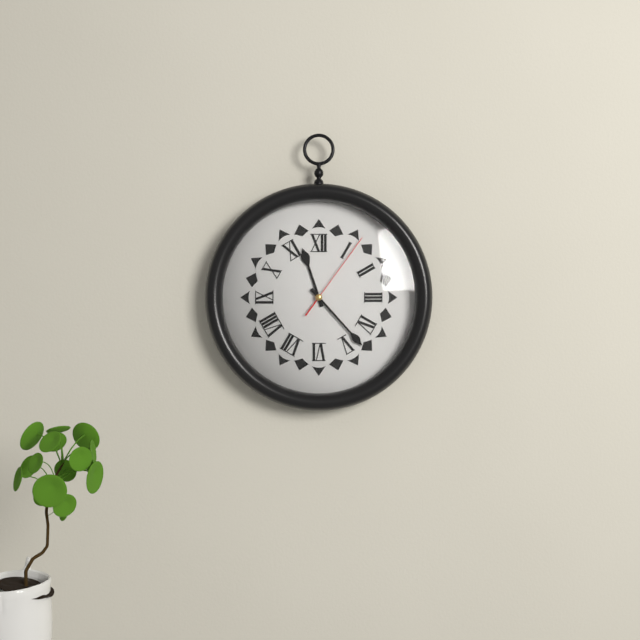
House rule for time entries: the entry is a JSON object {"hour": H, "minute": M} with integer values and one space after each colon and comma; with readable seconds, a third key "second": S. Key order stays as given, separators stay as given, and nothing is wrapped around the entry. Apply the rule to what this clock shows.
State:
{"hour": 11, "minute": 23, "second": 6}
